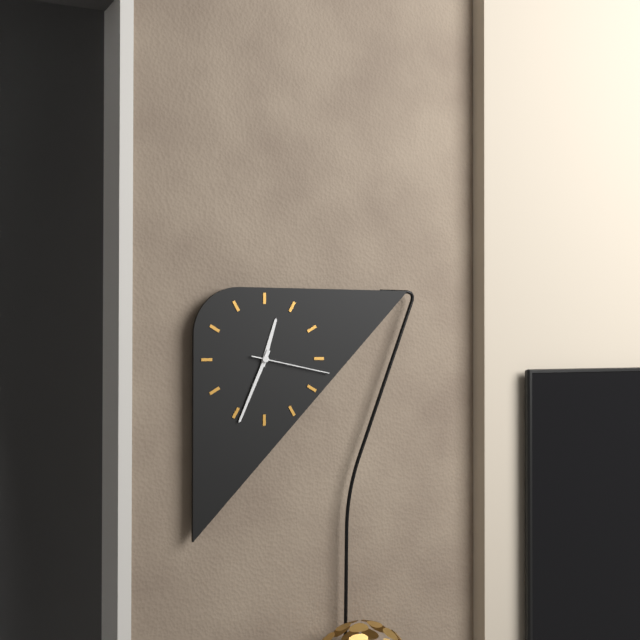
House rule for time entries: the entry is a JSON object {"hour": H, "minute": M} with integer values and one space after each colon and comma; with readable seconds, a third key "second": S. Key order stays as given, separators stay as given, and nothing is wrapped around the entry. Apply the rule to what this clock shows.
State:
{"hour": 12, "minute": 34, "second": 17}
